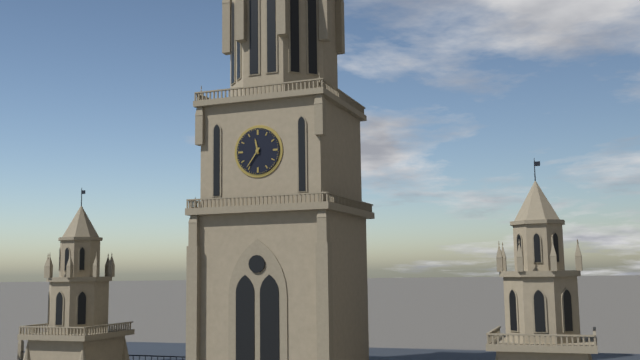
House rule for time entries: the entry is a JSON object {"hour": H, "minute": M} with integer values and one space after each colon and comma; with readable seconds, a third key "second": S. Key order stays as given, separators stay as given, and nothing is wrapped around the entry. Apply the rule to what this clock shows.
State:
{"hour": 11, "minute": 36}
